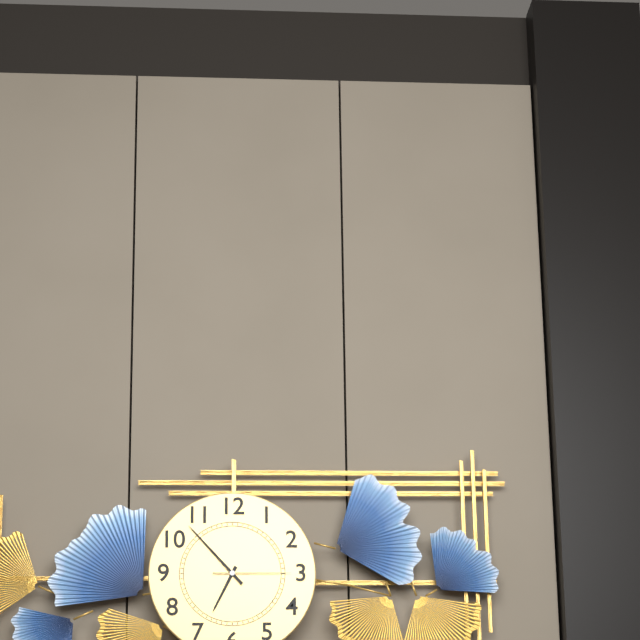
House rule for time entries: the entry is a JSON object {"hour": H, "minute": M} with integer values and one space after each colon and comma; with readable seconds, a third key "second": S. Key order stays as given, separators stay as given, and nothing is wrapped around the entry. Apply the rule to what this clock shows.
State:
{"hour": 6, "minute": 53, "second": 15}
